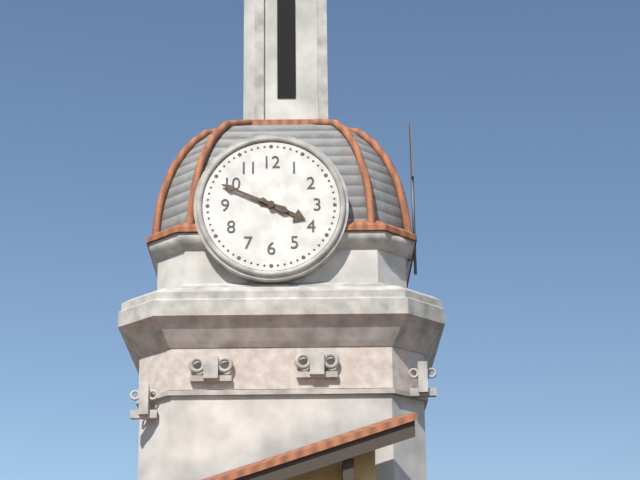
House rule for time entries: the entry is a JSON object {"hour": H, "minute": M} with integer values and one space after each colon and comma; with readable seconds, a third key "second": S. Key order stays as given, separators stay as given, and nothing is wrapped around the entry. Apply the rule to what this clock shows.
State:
{"hour": 3, "minute": 49}
